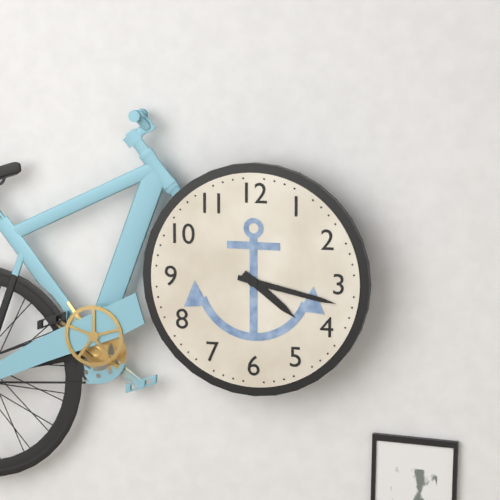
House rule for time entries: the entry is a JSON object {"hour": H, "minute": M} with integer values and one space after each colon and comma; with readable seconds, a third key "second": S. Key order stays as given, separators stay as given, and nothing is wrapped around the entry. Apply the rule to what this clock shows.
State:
{"hour": 4, "minute": 17}
